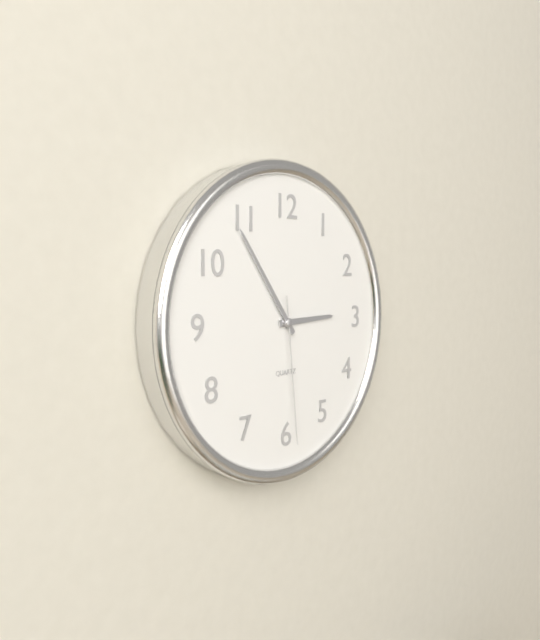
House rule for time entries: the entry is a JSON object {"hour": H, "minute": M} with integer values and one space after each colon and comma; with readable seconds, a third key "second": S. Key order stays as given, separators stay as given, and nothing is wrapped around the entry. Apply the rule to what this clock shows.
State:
{"hour": 2, "minute": 54, "second": 29}
